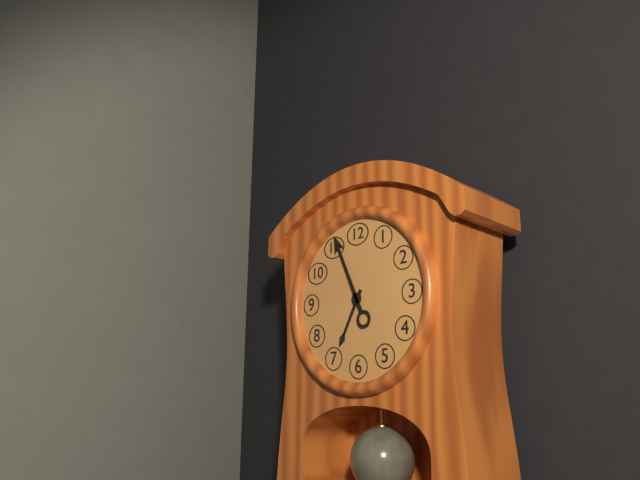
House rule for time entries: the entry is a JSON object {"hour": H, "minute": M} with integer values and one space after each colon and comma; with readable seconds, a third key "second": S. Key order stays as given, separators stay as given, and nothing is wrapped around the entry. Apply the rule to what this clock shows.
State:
{"hour": 6, "minute": 56}
